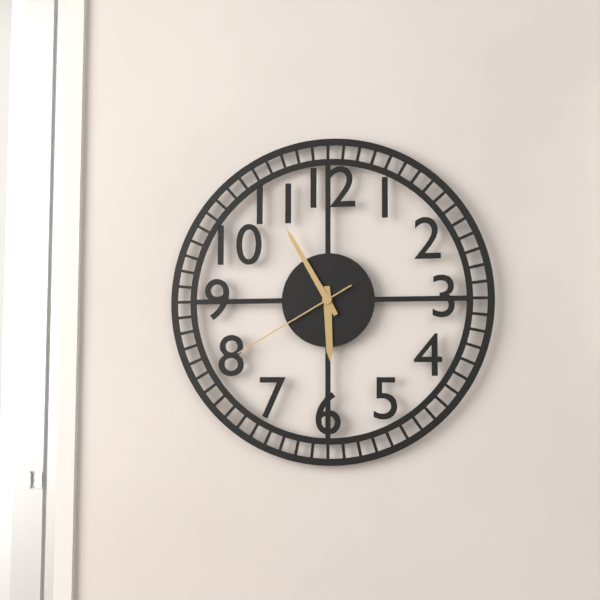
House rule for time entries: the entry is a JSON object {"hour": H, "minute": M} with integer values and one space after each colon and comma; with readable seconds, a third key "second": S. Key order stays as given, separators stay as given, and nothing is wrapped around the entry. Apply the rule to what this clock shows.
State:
{"hour": 5, "minute": 55, "second": 40}
